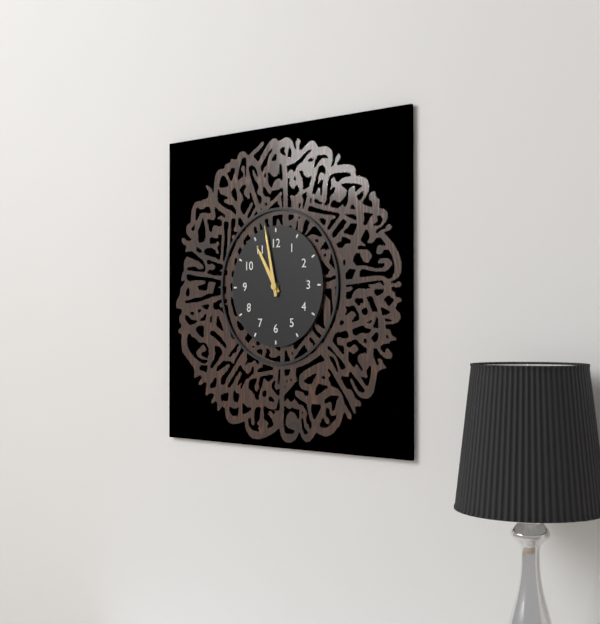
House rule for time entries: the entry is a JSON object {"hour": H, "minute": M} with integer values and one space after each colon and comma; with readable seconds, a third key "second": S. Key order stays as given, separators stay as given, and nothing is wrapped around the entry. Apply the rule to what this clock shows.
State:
{"hour": 10, "minute": 58}
